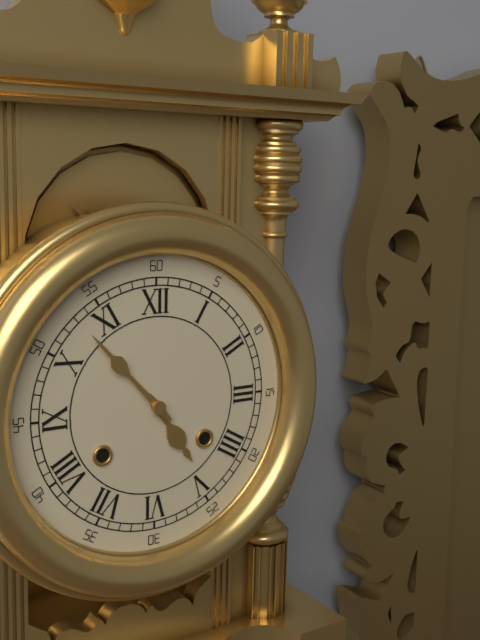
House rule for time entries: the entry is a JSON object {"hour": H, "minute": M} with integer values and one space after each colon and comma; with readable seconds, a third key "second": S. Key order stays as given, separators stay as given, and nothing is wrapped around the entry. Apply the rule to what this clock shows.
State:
{"hour": 4, "minute": 53}
